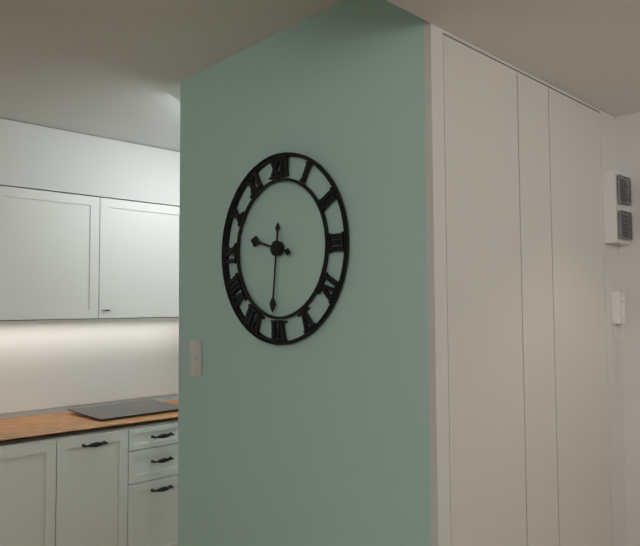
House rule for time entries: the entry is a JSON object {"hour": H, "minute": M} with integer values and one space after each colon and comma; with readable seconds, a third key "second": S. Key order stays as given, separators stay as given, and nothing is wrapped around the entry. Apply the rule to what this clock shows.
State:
{"hour": 9, "minute": 31}
